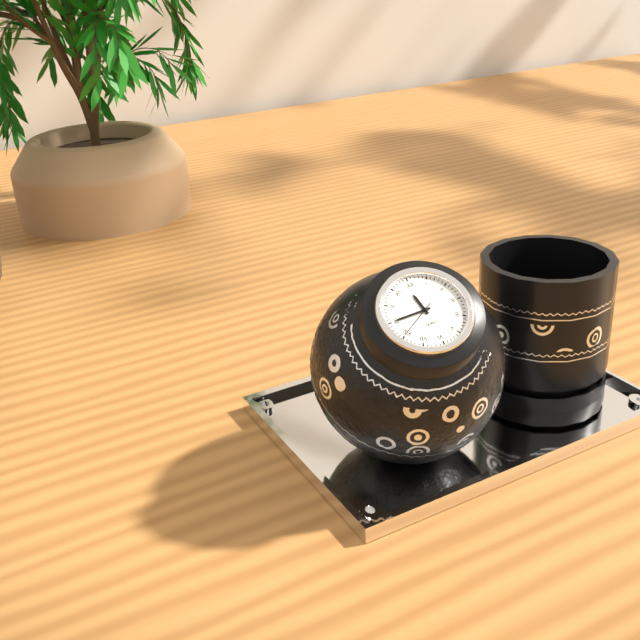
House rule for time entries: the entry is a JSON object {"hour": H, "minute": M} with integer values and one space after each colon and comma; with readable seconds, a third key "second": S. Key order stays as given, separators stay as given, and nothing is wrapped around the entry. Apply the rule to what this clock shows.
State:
{"hour": 11, "minute": 45}
